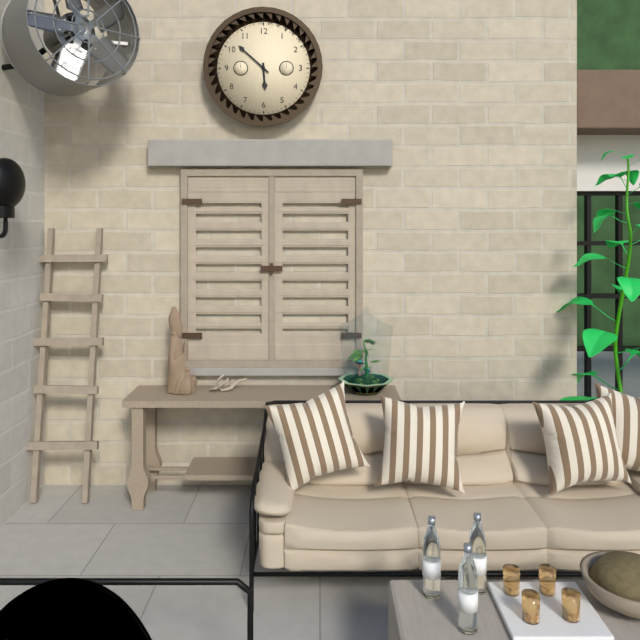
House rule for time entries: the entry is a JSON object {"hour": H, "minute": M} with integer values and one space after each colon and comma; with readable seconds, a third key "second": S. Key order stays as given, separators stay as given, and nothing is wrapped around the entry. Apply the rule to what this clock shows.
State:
{"hour": 5, "minute": 52}
